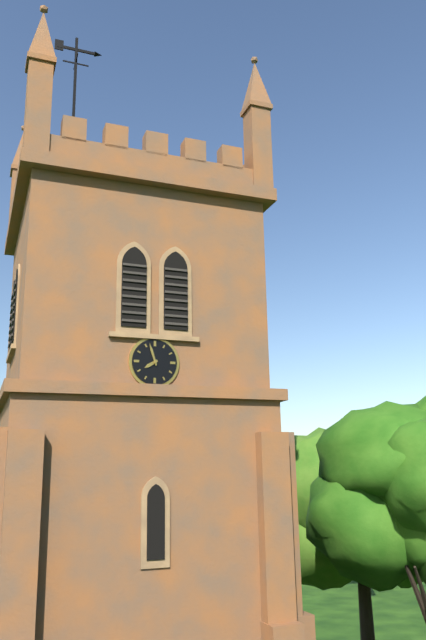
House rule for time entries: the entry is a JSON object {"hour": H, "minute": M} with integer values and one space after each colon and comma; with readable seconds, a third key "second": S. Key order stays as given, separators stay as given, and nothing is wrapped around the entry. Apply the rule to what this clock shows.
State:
{"hour": 7, "minute": 57}
